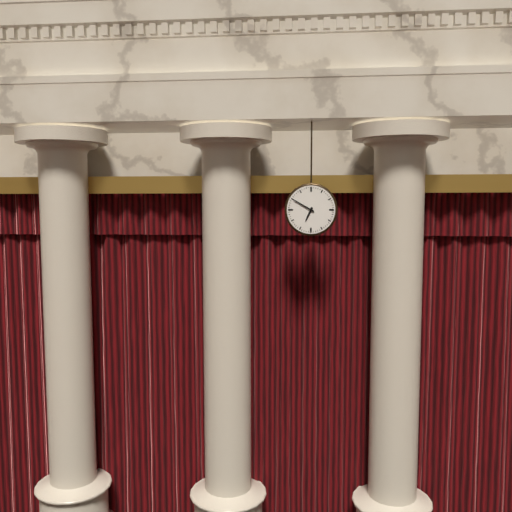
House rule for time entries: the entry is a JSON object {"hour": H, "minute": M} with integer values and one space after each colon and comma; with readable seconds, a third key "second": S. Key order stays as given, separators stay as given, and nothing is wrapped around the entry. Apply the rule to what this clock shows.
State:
{"hour": 6, "minute": 50}
